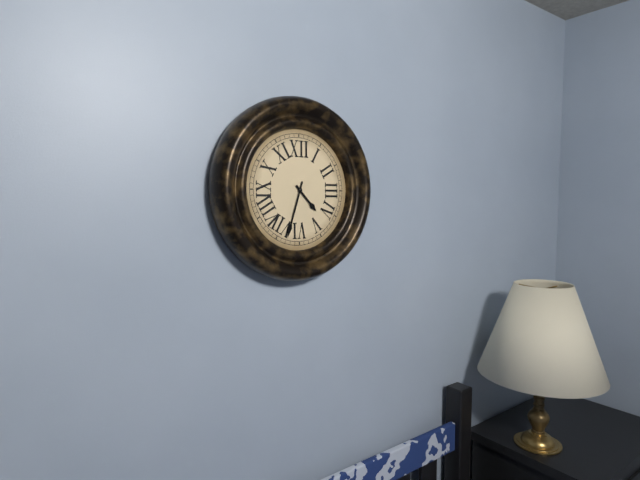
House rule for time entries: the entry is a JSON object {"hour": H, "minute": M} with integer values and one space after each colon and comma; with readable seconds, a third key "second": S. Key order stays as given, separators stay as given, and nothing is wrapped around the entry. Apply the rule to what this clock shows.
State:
{"hour": 4, "minute": 33}
